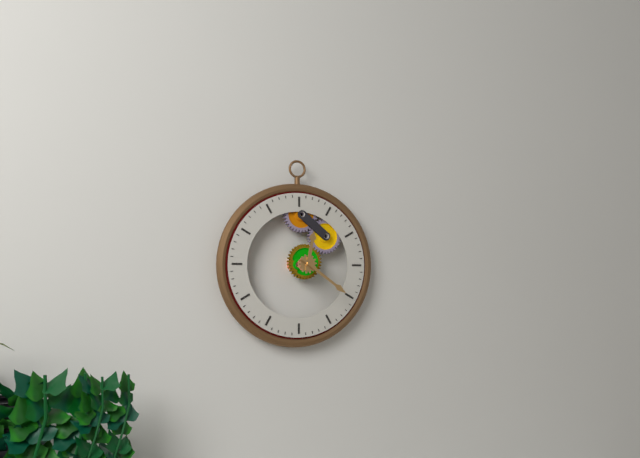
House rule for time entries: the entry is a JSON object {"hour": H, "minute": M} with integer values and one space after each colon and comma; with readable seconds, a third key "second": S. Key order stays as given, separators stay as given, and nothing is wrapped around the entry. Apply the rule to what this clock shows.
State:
{"hour": 12, "minute": 21}
